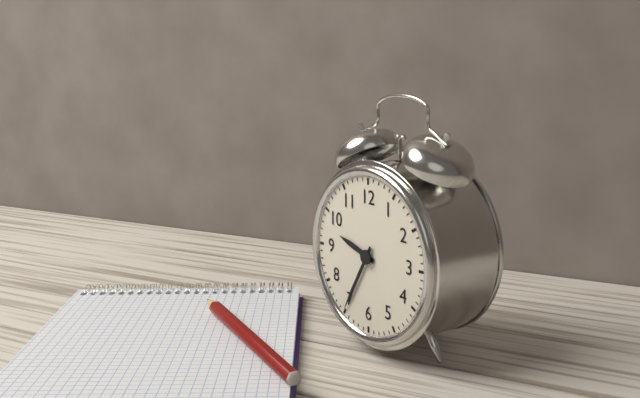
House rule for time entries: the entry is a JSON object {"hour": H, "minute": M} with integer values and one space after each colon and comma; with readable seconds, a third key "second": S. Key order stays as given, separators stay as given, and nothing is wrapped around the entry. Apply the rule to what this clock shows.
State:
{"hour": 9, "minute": 35}
